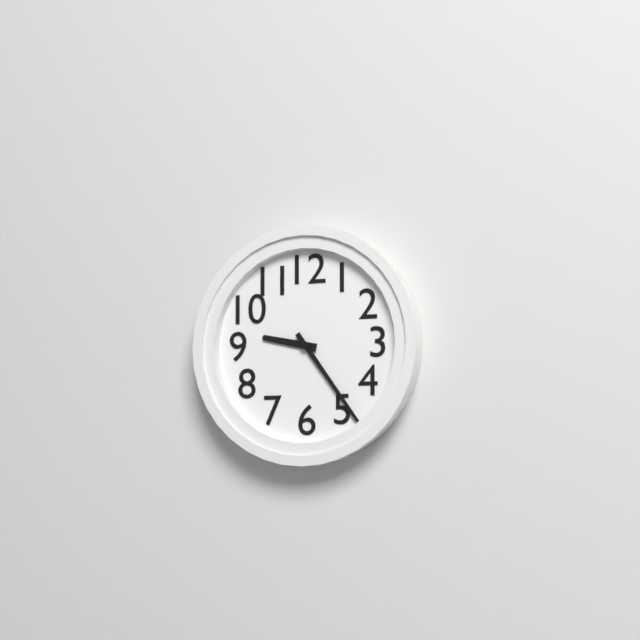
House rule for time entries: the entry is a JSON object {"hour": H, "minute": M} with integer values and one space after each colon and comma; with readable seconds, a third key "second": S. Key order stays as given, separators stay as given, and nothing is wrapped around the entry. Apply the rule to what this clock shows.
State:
{"hour": 9, "minute": 24}
